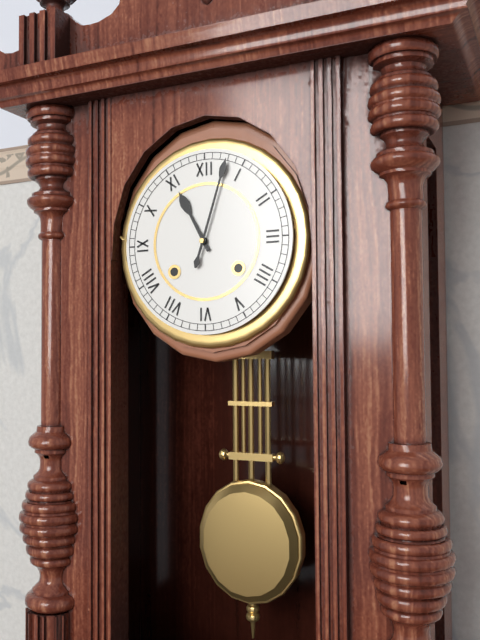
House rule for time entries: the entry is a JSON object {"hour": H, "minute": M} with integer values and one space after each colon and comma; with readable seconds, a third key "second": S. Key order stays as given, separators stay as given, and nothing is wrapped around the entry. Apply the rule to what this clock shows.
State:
{"hour": 11, "minute": 3}
